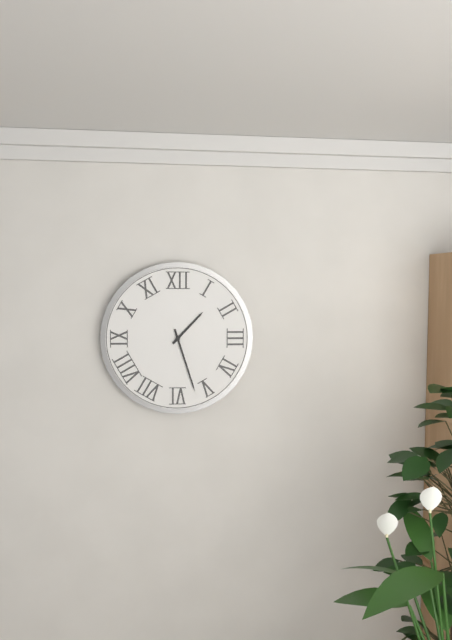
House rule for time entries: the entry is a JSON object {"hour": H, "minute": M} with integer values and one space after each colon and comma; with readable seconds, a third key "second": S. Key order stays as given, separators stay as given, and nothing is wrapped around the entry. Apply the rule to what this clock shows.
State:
{"hour": 1, "minute": 27}
